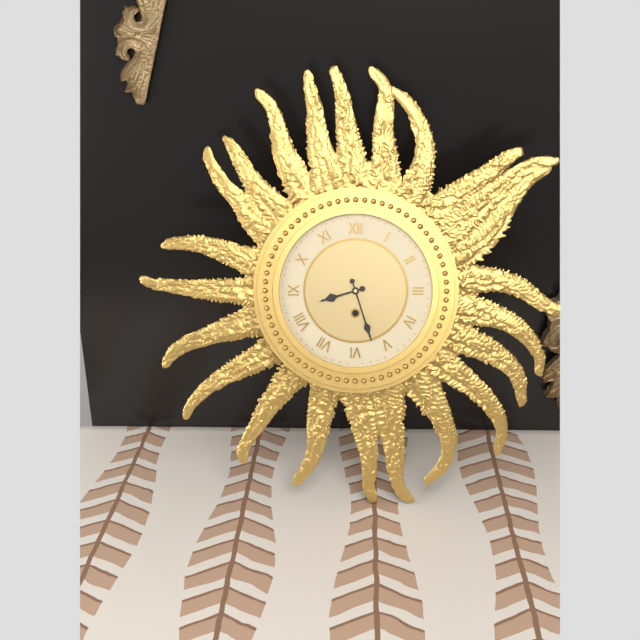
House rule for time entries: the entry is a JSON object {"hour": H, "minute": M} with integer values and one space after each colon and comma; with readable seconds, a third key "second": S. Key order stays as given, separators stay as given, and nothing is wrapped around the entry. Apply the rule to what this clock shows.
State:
{"hour": 8, "minute": 27}
